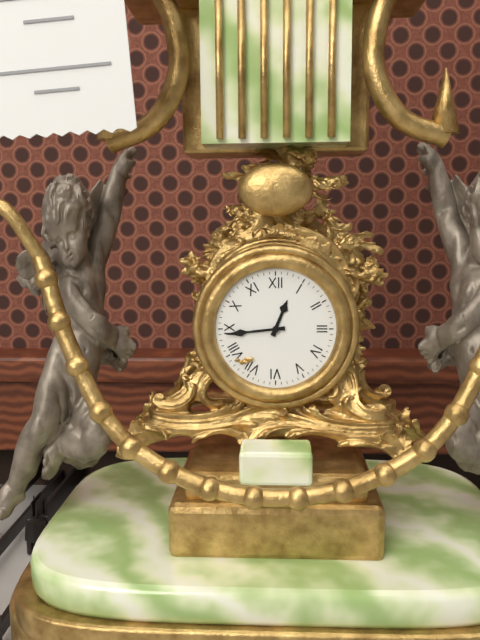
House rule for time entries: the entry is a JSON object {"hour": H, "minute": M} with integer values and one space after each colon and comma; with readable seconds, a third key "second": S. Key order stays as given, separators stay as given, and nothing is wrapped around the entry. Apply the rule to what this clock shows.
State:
{"hour": 12, "minute": 44}
